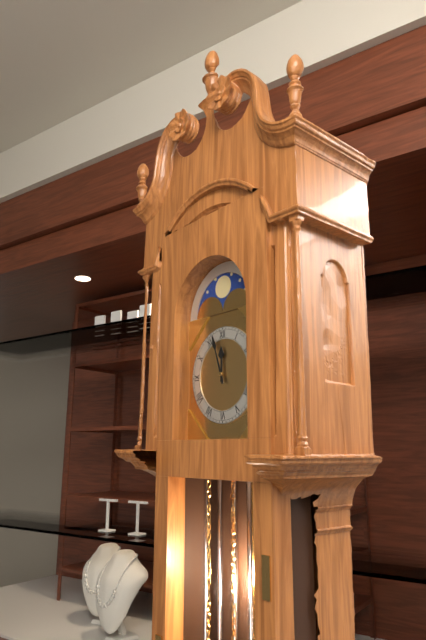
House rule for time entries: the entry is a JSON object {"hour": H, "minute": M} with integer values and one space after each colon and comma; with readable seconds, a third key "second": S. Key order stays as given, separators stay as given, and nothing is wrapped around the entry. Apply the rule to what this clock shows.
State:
{"hour": 11, "minute": 57}
